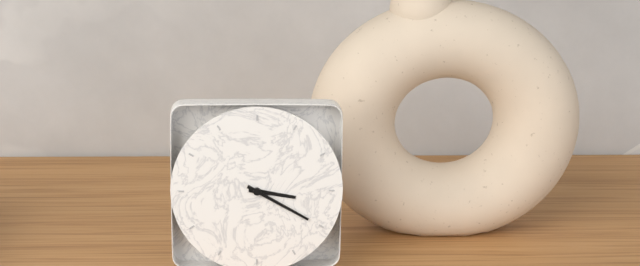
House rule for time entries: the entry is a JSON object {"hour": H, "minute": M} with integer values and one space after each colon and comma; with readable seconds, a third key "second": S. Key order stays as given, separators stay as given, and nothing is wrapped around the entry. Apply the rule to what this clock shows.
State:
{"hour": 3, "minute": 20}
